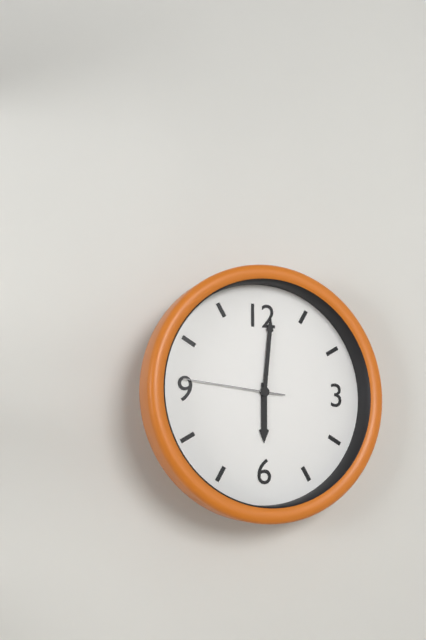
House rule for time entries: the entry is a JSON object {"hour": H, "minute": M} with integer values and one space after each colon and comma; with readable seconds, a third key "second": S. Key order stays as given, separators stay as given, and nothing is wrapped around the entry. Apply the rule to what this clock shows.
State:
{"hour": 6, "minute": 1, "second": 46}
